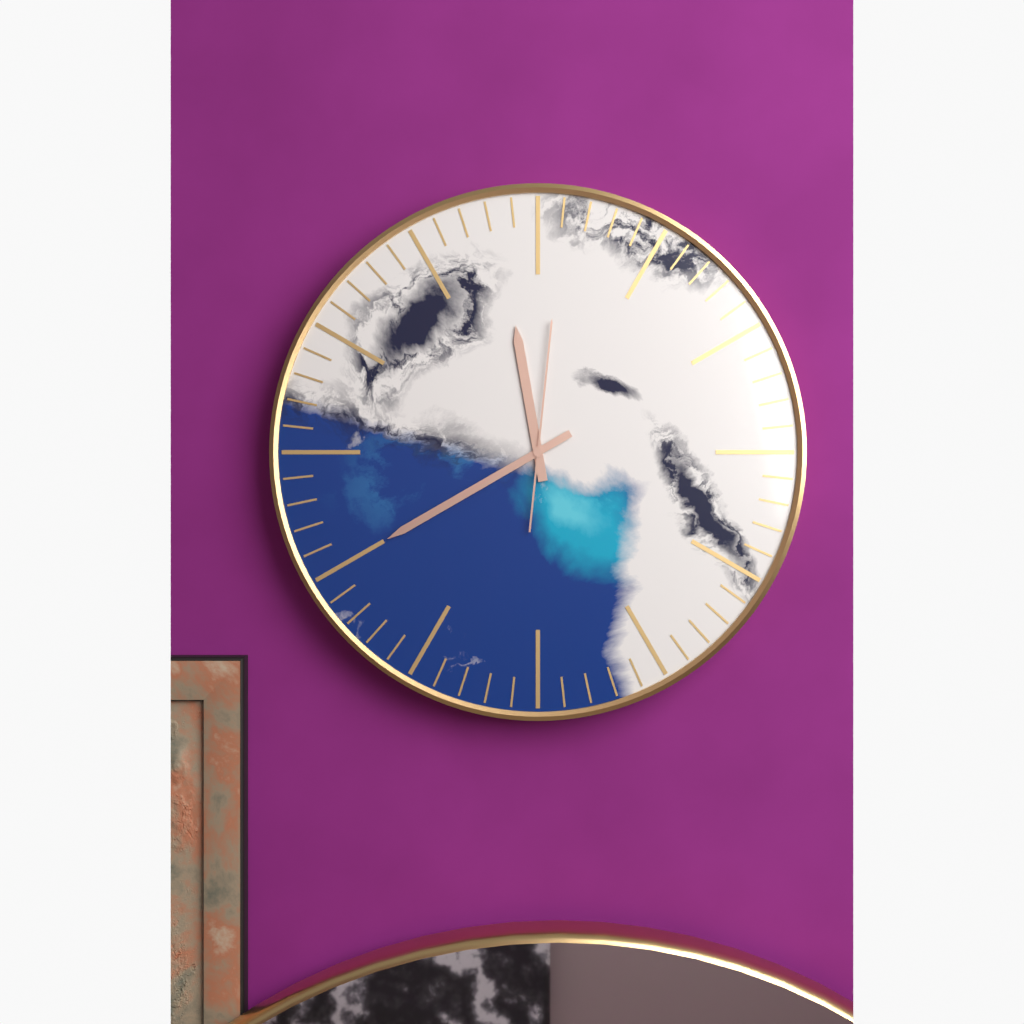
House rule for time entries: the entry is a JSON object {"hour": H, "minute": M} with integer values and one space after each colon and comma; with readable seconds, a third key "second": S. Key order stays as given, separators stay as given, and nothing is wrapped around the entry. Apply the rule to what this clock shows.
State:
{"hour": 11, "minute": 40, "second": 1}
